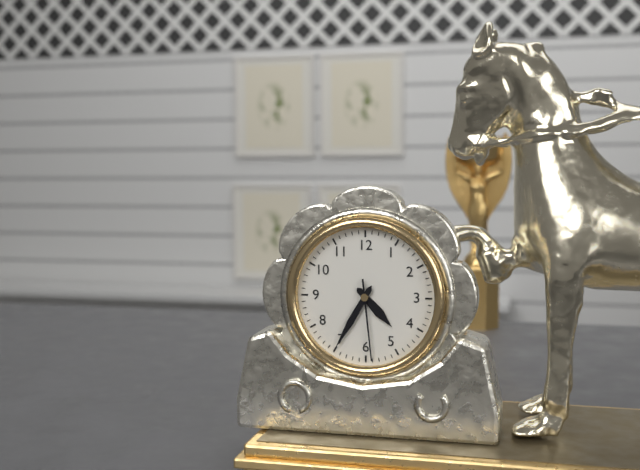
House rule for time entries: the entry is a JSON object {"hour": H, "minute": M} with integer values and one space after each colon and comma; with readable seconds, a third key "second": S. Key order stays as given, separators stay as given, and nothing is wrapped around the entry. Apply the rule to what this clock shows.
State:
{"hour": 4, "minute": 35, "second": 29}
